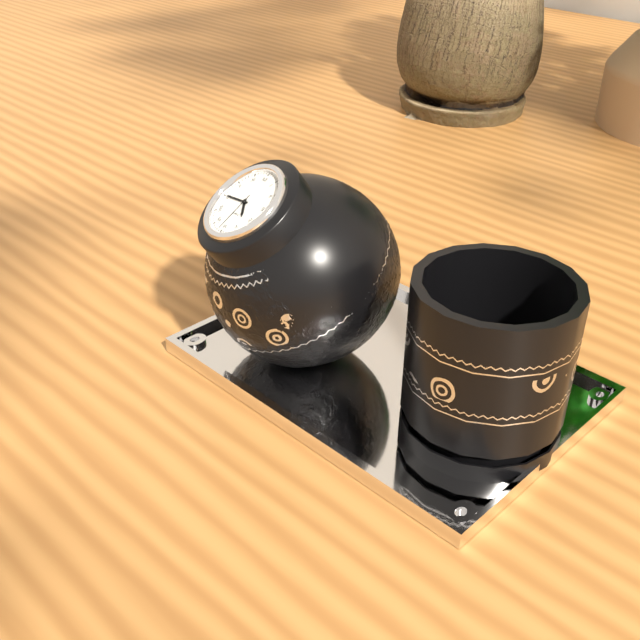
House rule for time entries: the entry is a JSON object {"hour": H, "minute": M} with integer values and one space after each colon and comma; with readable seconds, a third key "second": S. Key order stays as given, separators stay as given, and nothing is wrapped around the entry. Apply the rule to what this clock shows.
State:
{"hour": 4, "minute": 45, "second": 31}
